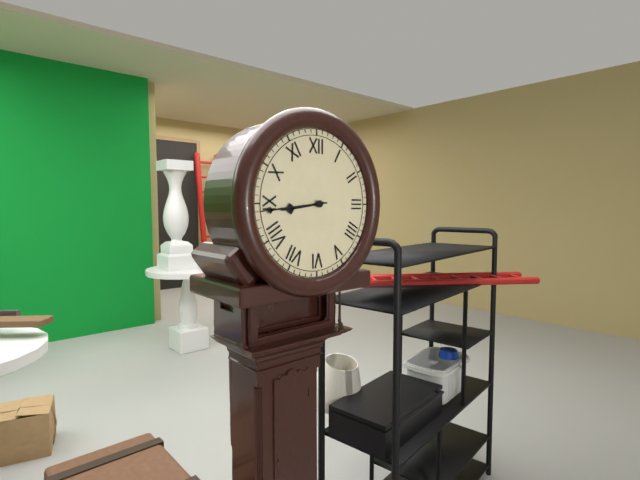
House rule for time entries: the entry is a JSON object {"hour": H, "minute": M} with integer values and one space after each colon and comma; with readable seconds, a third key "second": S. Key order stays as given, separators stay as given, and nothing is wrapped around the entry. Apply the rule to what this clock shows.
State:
{"hour": 8, "minute": 44}
